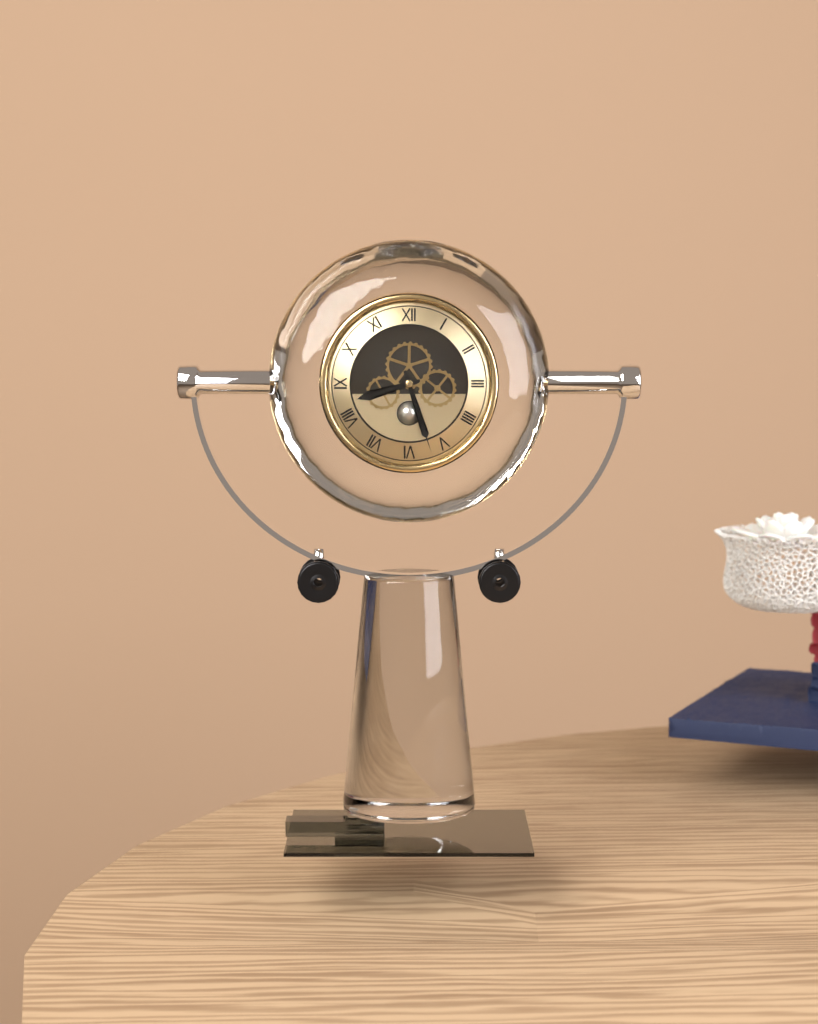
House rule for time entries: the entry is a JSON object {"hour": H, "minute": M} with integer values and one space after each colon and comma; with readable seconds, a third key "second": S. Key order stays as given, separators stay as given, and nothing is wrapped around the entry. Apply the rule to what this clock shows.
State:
{"hour": 8, "minute": 27}
